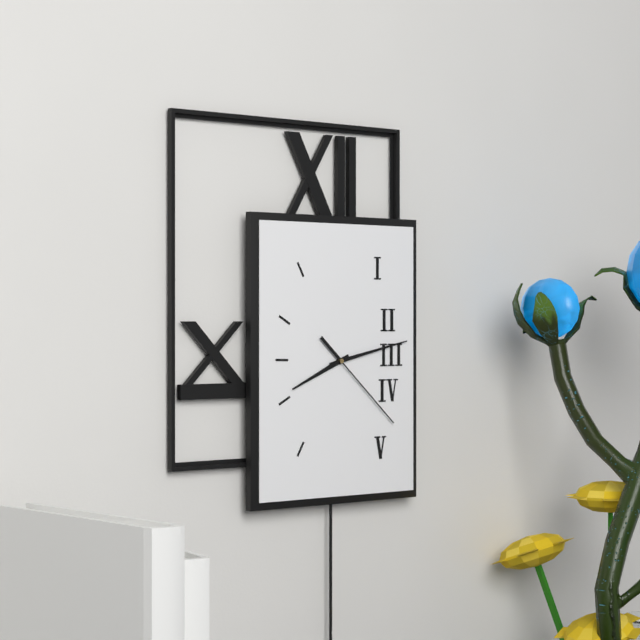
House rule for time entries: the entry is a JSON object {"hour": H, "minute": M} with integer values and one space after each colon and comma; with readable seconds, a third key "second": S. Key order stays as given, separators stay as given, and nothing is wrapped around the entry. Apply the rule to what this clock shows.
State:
{"hour": 8, "minute": 13, "second": 22}
